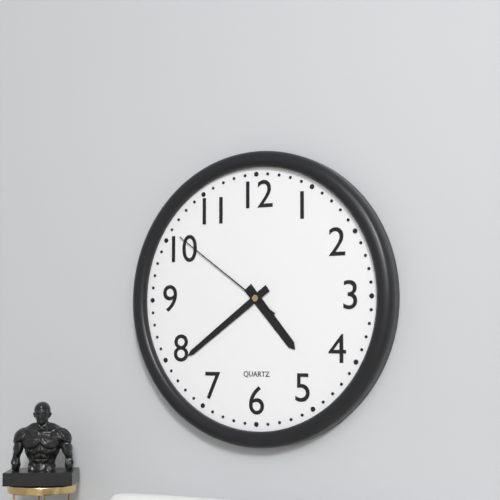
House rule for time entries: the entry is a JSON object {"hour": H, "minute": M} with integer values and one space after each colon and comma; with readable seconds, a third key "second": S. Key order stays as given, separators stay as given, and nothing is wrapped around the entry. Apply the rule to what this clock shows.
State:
{"hour": 4, "minute": 39, "second": 51}
